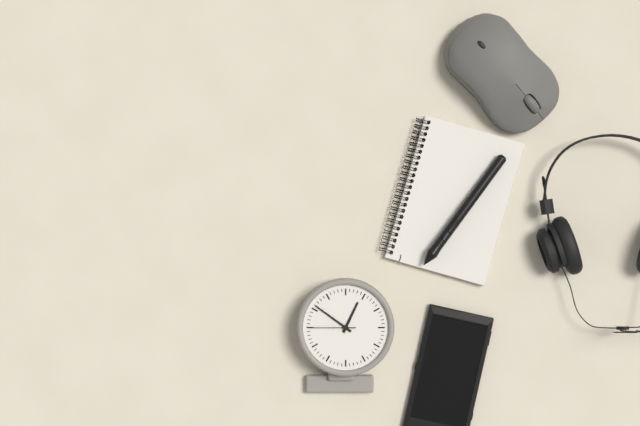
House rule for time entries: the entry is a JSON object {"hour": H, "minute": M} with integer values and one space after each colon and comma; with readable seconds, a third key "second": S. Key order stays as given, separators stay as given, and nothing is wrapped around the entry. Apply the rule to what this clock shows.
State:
{"hour": 12, "minute": 51}
